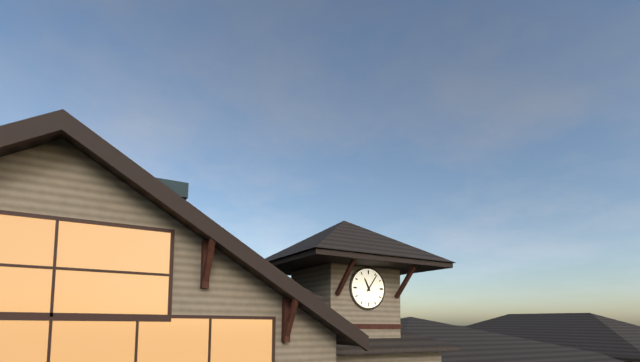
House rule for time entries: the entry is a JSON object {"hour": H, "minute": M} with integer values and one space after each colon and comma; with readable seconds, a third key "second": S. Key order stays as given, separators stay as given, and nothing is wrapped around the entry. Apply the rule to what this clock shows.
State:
{"hour": 11, "minute": 6}
